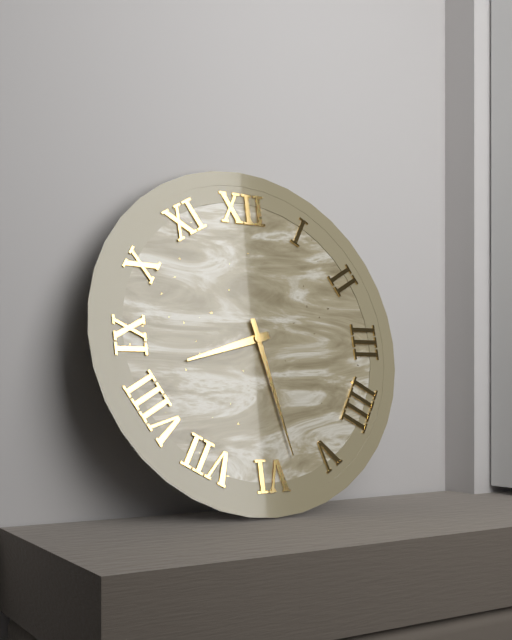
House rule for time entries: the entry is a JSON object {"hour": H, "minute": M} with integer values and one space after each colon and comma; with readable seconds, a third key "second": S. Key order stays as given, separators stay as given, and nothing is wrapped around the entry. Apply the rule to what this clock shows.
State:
{"hour": 8, "minute": 28}
